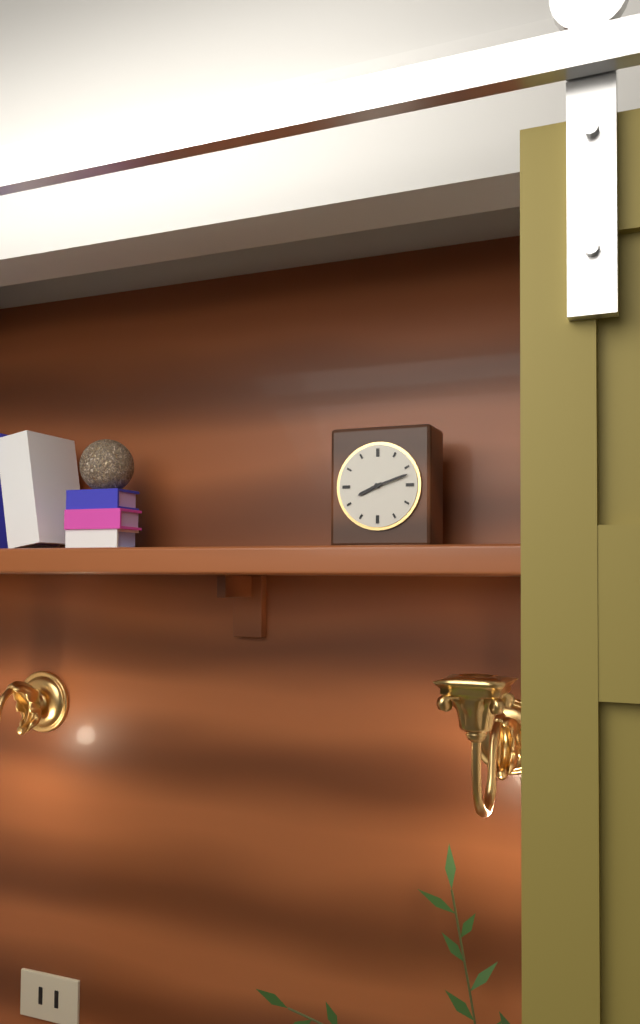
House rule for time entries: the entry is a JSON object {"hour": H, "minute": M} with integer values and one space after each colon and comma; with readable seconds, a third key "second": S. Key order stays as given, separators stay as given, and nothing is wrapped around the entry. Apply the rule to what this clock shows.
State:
{"hour": 8, "minute": 12}
